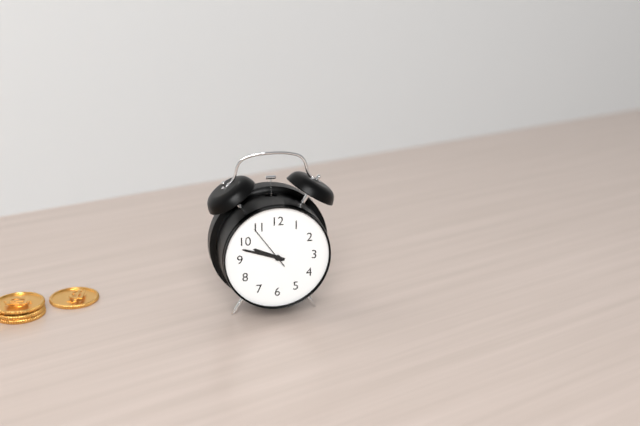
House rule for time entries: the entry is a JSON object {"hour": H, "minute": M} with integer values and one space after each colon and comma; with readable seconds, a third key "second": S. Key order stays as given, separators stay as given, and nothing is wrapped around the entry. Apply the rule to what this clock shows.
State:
{"hour": 9, "minute": 48}
